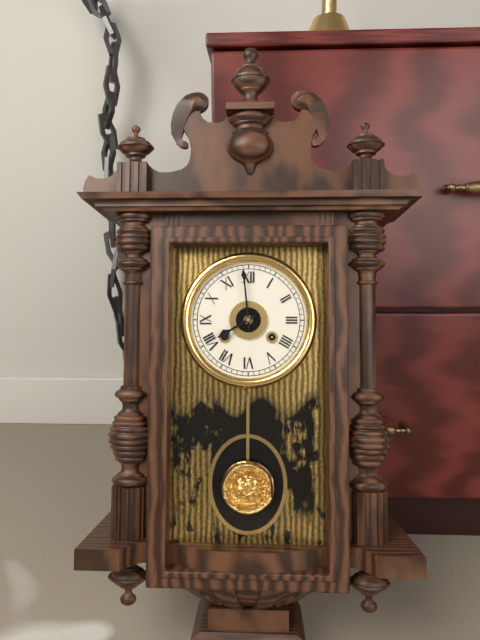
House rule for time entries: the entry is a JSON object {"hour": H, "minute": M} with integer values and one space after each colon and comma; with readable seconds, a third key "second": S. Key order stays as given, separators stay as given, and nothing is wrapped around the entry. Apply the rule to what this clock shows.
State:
{"hour": 7, "minute": 59}
